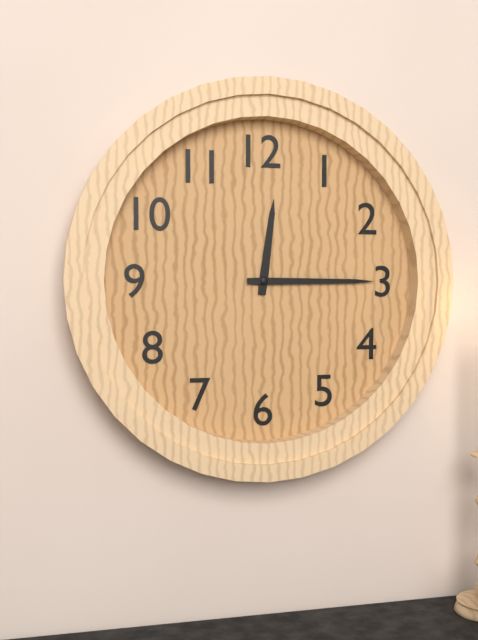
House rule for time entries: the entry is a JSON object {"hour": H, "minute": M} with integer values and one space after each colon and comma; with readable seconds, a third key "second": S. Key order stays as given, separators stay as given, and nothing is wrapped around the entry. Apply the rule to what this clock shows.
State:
{"hour": 12, "minute": 15}
